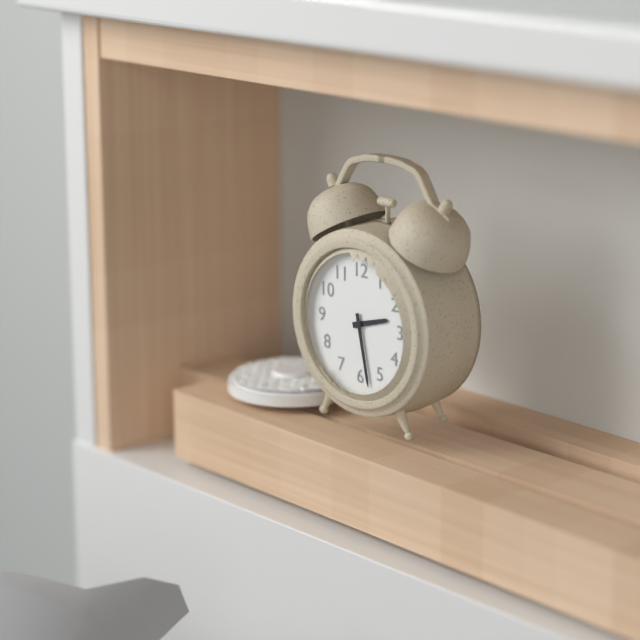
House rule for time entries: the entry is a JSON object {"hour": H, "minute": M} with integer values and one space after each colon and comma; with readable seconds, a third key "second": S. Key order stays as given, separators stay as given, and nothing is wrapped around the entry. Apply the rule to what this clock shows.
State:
{"hour": 2, "minute": 28}
